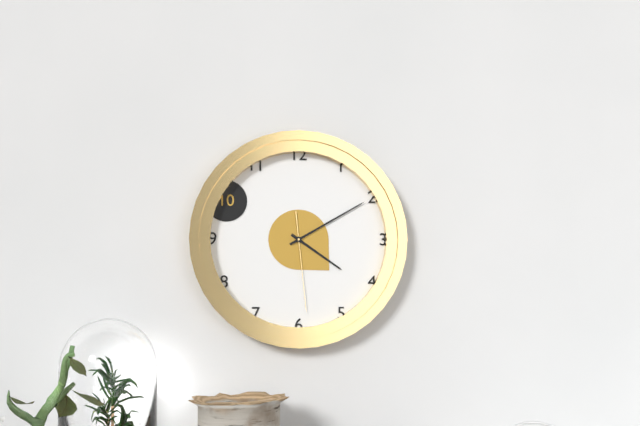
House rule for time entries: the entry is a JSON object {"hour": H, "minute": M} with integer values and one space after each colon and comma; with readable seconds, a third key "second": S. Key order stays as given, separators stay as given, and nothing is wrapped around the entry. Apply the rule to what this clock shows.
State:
{"hour": 4, "minute": 10, "second": 29}
